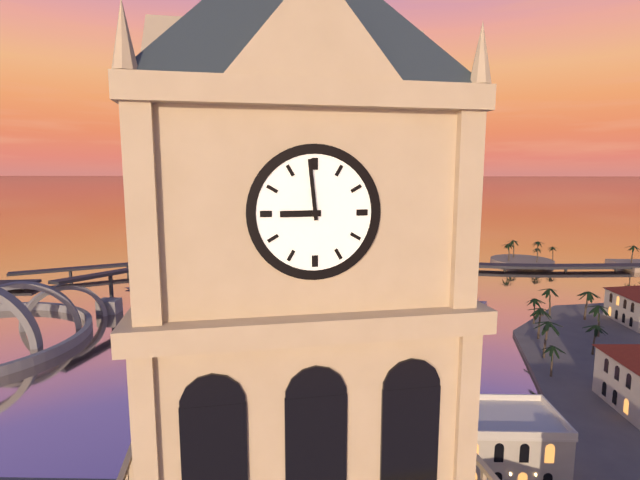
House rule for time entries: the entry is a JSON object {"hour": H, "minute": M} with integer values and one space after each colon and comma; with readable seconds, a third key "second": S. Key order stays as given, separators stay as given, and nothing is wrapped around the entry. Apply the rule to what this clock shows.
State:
{"hour": 8, "minute": 59}
